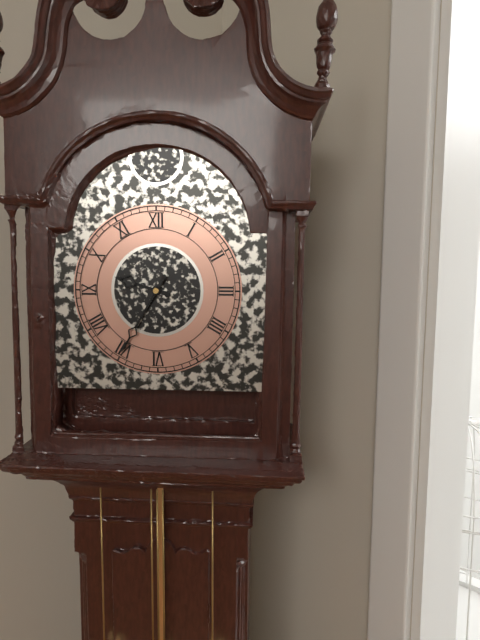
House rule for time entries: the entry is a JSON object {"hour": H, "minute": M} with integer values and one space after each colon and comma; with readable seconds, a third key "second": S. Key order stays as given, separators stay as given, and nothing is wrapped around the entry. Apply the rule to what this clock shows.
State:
{"hour": 9, "minute": 35}
